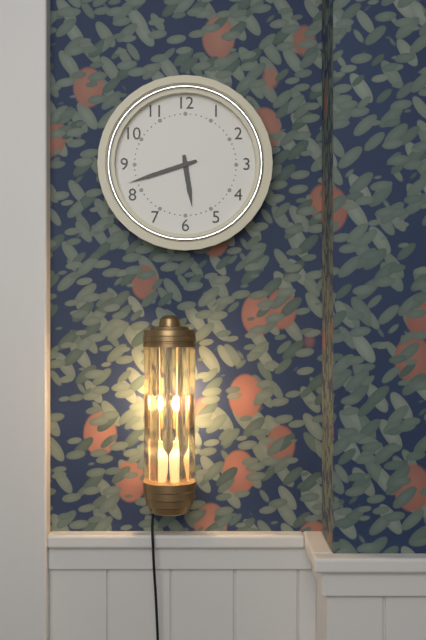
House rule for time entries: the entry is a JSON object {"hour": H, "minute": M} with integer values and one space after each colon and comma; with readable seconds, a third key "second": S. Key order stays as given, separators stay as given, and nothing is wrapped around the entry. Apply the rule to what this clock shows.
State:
{"hour": 5, "minute": 42}
